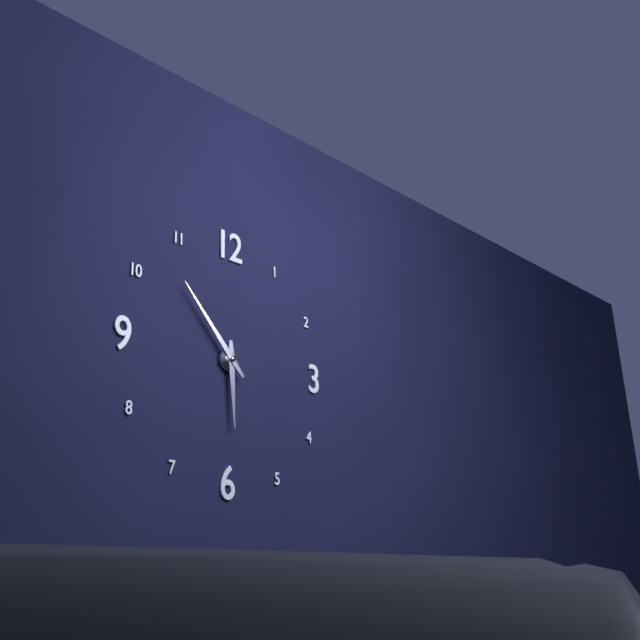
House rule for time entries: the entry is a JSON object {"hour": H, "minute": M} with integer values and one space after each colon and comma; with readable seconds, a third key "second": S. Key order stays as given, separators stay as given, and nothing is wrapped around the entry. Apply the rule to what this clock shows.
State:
{"hour": 5, "minute": 53}
